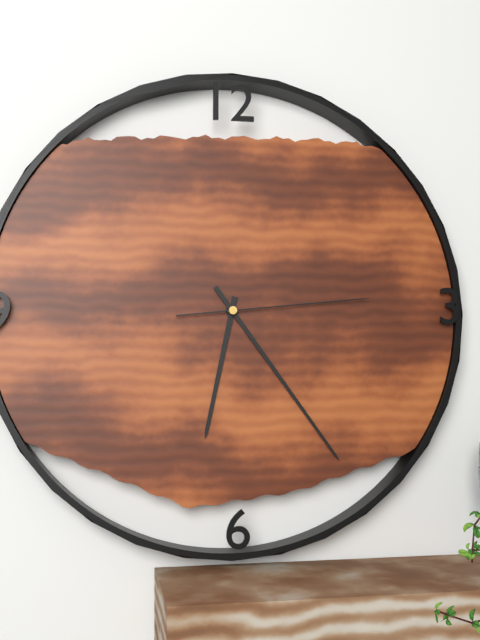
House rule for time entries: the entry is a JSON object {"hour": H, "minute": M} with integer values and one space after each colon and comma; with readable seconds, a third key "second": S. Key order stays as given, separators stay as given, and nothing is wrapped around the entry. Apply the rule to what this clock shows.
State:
{"hour": 6, "minute": 24, "second": 14}
